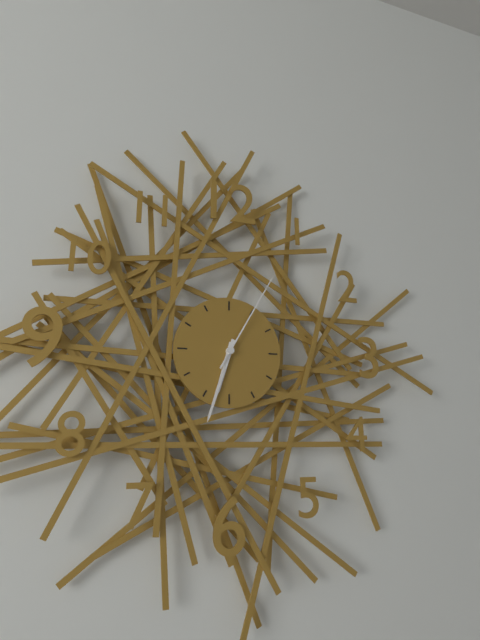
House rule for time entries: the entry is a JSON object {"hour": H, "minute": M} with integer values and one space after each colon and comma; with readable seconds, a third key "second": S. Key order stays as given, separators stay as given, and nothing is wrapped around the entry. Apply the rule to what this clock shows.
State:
{"hour": 6, "minute": 33, "second": 5}
